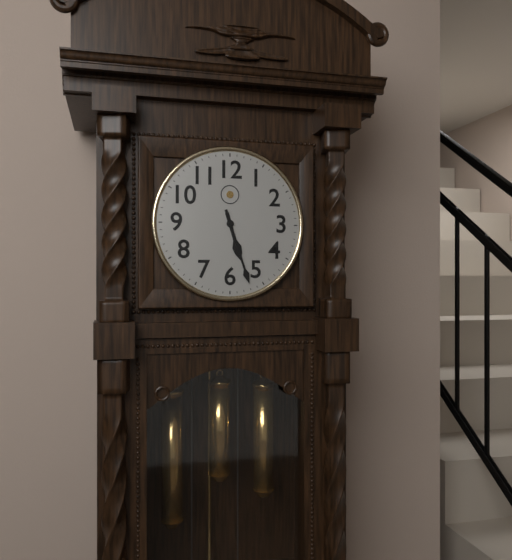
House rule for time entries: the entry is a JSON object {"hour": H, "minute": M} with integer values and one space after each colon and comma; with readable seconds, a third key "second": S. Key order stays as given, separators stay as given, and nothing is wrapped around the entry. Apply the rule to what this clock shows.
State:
{"hour": 5, "minute": 27}
